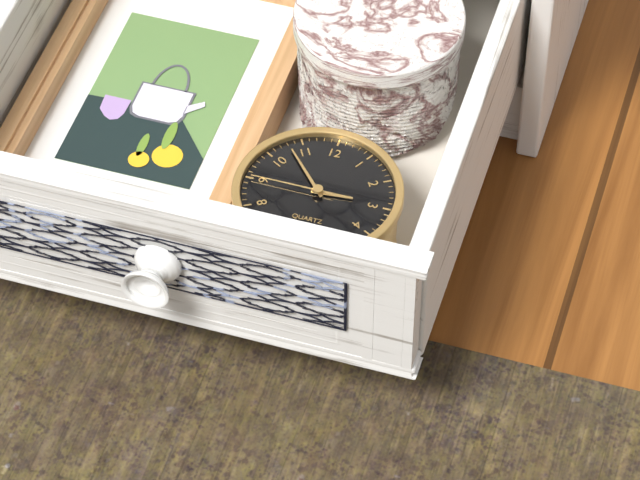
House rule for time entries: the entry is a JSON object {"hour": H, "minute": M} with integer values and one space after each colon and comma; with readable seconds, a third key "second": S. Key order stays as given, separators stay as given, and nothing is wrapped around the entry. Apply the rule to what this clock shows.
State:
{"hour": 2, "minute": 53, "second": 45}
